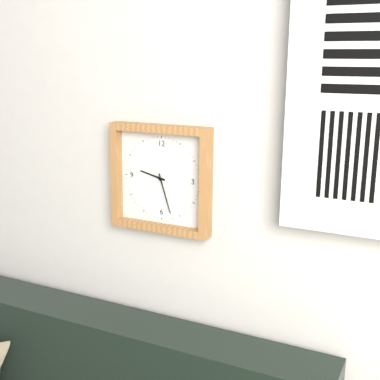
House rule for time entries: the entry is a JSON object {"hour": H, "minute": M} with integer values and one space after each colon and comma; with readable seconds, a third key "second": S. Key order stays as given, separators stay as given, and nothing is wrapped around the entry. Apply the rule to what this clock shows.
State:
{"hour": 9, "minute": 27}
